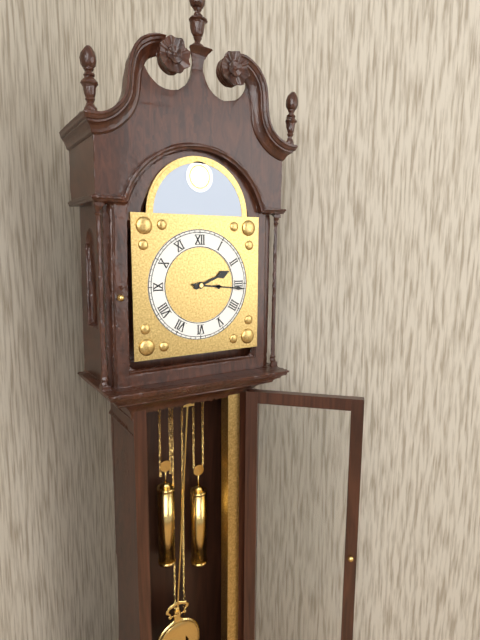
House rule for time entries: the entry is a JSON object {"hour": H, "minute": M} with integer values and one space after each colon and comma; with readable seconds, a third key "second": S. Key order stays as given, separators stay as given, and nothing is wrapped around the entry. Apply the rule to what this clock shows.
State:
{"hour": 2, "minute": 16}
